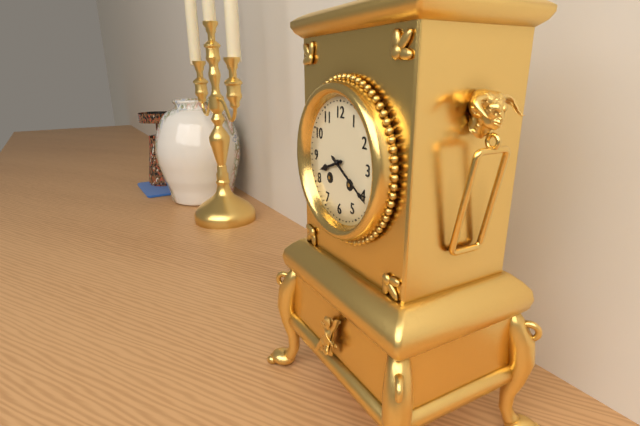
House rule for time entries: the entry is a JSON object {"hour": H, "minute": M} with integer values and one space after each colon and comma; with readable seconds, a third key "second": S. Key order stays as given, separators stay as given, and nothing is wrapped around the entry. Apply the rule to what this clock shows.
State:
{"hour": 8, "minute": 20}
